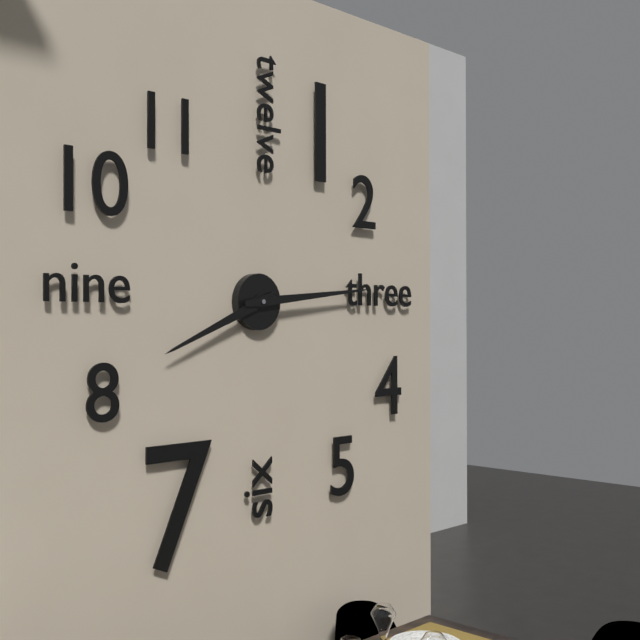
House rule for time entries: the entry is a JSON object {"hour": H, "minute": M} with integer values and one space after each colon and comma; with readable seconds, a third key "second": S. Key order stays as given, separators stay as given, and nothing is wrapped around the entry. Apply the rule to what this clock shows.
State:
{"hour": 8, "minute": 14}
